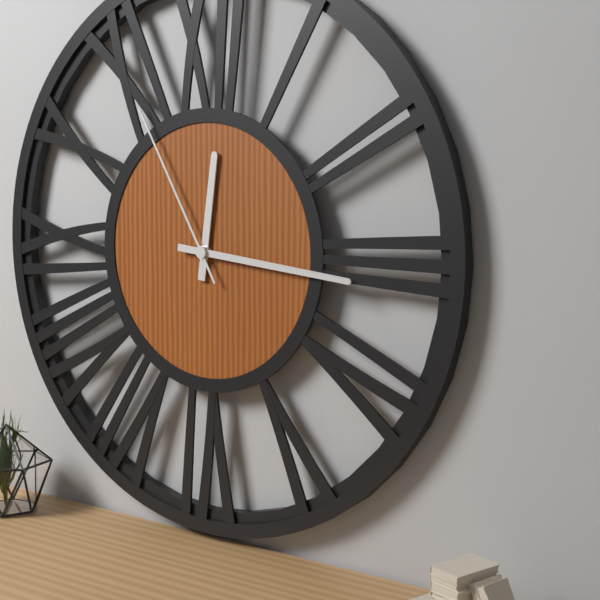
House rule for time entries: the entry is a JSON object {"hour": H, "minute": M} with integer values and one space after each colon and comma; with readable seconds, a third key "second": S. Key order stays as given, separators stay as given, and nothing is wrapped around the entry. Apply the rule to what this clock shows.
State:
{"hour": 12, "minute": 16, "second": 55}
